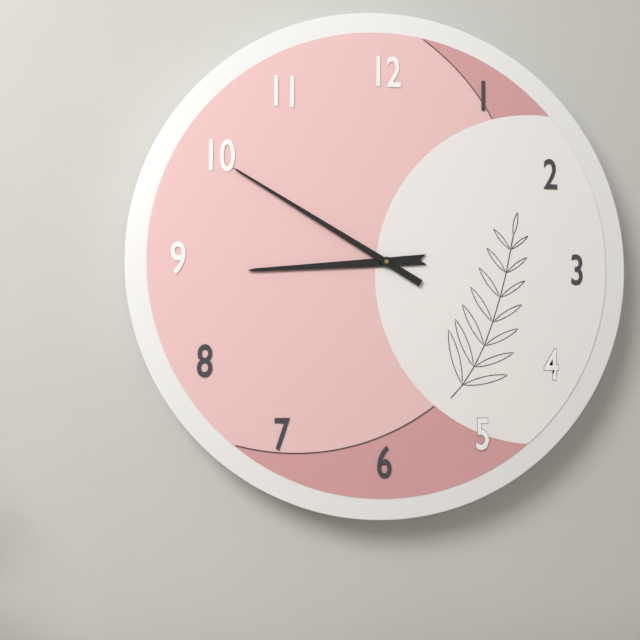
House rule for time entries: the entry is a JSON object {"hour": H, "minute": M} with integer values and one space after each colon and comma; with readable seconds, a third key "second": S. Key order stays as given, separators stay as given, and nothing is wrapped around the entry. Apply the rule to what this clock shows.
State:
{"hour": 8, "minute": 50}
